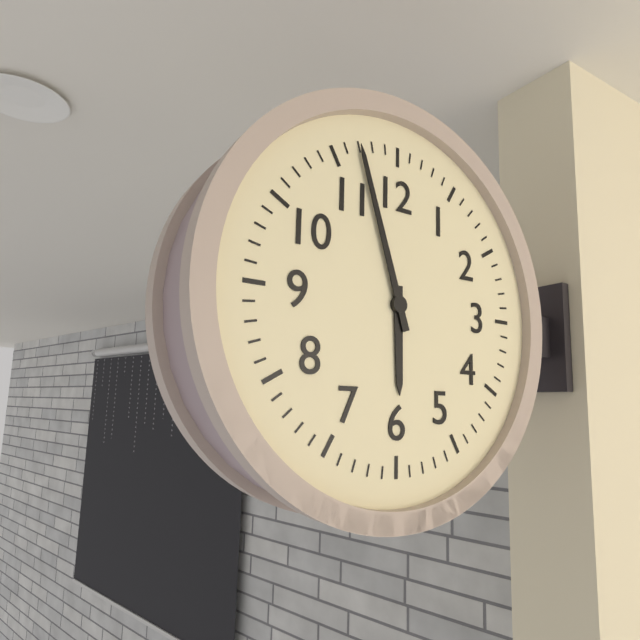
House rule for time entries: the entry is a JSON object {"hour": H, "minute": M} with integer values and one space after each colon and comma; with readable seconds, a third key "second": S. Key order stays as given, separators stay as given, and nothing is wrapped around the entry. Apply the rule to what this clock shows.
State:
{"hour": 5, "minute": 57}
